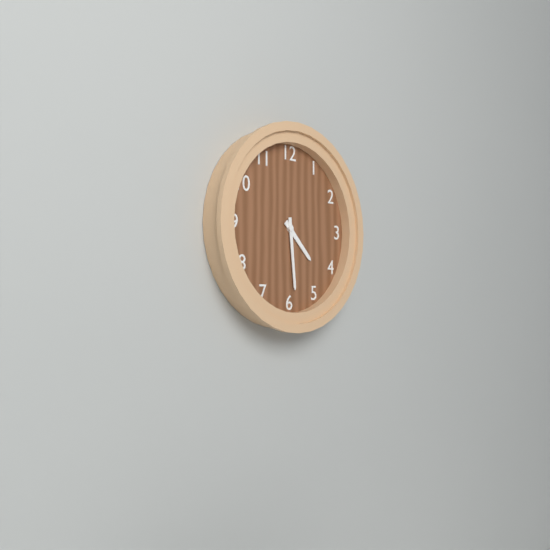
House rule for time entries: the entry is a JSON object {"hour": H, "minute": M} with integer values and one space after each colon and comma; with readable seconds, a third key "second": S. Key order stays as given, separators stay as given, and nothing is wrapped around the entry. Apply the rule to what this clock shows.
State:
{"hour": 4, "minute": 29}
